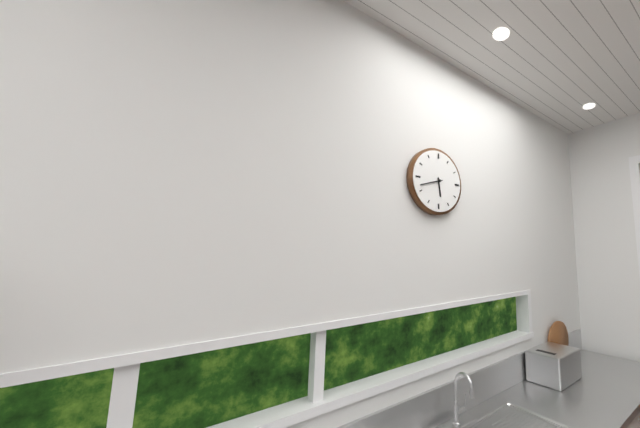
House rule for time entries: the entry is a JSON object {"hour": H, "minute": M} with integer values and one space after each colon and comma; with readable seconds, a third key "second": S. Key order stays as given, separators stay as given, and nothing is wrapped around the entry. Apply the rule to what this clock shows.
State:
{"hour": 5, "minute": 42}
